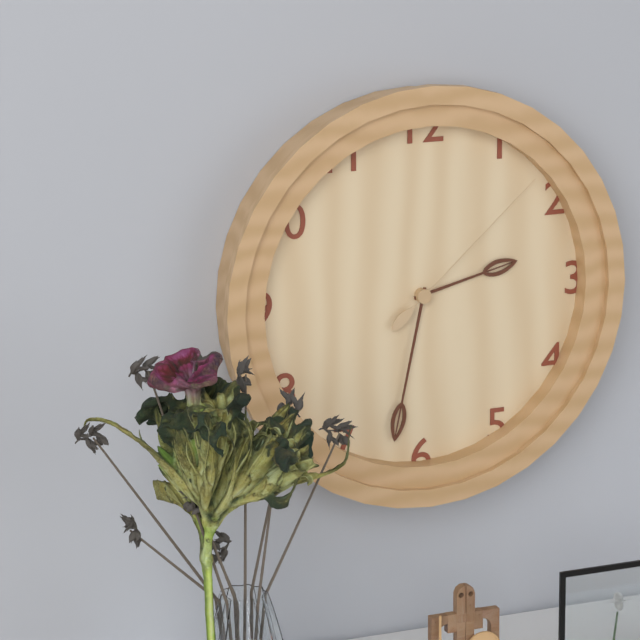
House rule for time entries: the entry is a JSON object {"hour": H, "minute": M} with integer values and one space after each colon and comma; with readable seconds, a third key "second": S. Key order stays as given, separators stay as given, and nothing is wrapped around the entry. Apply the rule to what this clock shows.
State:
{"hour": 2, "minute": 32, "second": 8}
